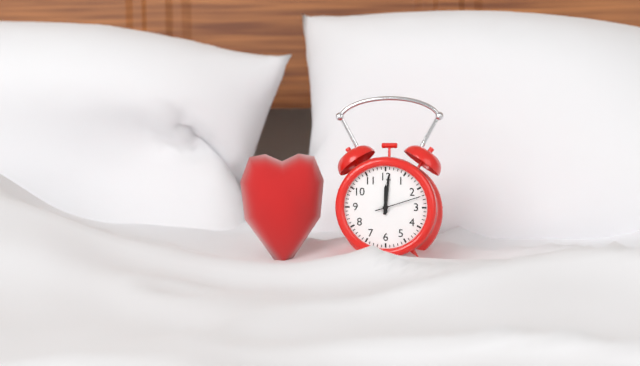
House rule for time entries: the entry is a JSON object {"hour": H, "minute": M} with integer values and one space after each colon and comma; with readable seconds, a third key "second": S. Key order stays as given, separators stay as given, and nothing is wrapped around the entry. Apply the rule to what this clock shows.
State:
{"hour": 12, "minute": 1}
